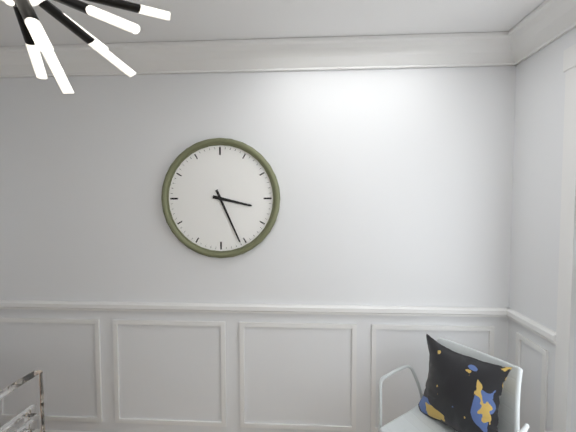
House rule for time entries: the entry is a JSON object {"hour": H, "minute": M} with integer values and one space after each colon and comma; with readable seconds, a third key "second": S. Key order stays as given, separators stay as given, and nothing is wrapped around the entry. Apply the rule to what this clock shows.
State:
{"hour": 3, "minute": 26}
